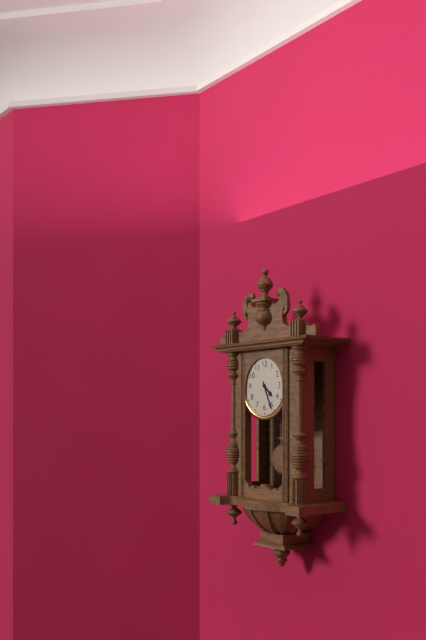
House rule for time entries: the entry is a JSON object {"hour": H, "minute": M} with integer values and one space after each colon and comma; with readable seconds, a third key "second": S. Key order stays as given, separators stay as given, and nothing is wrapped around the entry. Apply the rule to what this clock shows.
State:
{"hour": 4, "minute": 26}
